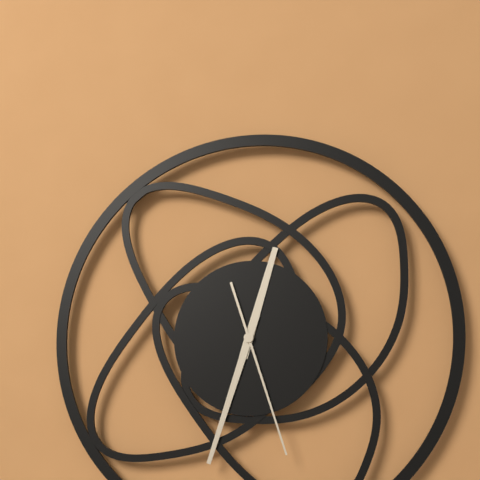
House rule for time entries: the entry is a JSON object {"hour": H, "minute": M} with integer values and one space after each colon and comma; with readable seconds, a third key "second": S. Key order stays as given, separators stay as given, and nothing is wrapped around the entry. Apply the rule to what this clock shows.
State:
{"hour": 12, "minute": 33, "second": 27}
